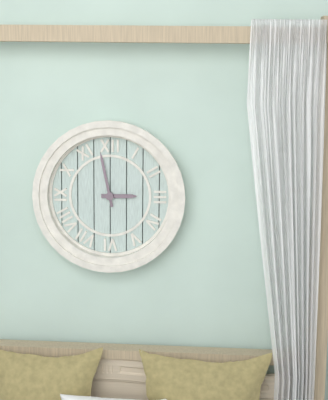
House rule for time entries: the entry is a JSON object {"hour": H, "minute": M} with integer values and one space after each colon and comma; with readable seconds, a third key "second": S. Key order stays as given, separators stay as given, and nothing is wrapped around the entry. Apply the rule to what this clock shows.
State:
{"hour": 2, "minute": 58}
